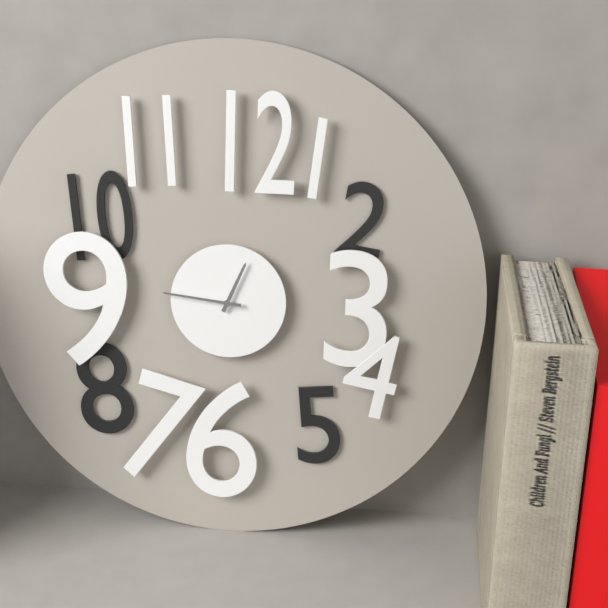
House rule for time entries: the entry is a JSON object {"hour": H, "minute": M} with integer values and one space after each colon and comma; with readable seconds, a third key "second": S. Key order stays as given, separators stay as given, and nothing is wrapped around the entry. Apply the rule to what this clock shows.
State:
{"hour": 12, "minute": 46}
